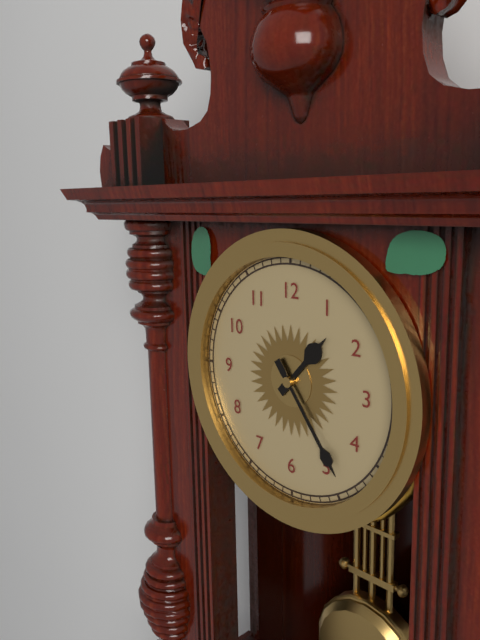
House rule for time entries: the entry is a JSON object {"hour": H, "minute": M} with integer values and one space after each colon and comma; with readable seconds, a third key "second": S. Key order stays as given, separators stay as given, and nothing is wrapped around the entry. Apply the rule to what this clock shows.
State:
{"hour": 1, "minute": 24}
